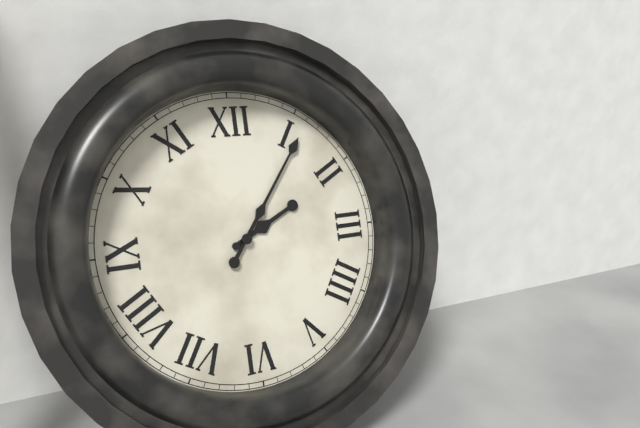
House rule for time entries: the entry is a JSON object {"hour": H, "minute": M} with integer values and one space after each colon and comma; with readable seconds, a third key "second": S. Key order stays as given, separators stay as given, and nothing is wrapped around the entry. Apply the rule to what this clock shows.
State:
{"hour": 2, "minute": 6}
